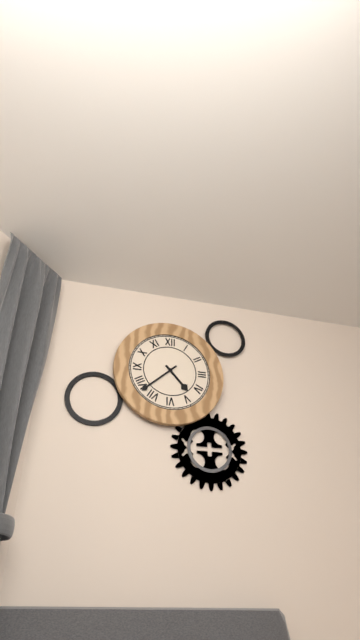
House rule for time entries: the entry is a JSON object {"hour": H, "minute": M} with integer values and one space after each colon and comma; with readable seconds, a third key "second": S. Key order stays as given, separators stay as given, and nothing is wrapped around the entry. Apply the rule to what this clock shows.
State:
{"hour": 4, "minute": 38}
